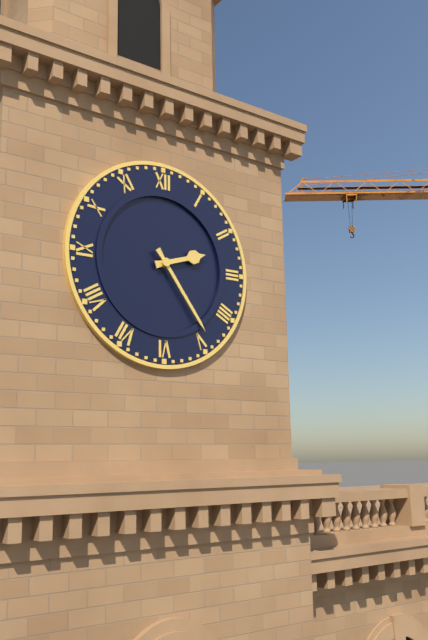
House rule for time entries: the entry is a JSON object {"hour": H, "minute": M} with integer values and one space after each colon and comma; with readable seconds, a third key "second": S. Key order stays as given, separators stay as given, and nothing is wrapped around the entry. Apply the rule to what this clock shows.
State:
{"hour": 2, "minute": 24}
